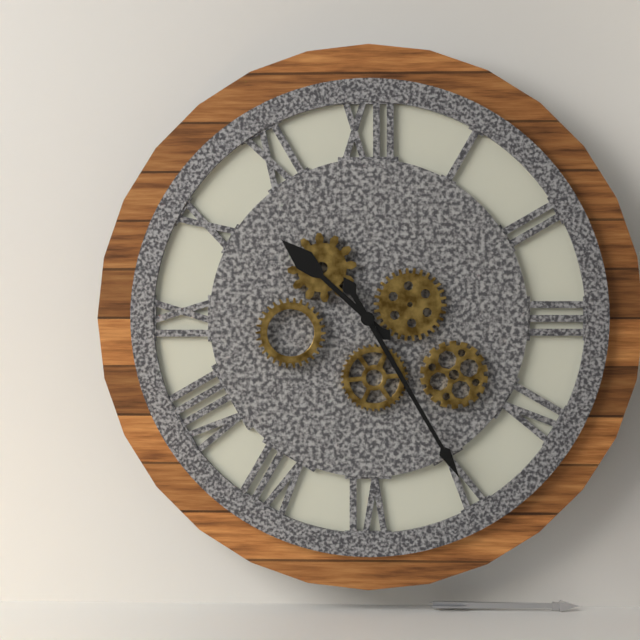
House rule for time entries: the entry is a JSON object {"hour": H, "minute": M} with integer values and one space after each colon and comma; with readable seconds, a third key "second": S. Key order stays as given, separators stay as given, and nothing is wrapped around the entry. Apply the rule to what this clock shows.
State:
{"hour": 10, "minute": 25}
